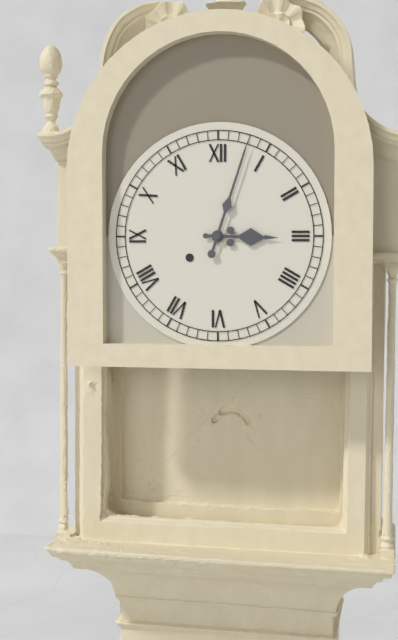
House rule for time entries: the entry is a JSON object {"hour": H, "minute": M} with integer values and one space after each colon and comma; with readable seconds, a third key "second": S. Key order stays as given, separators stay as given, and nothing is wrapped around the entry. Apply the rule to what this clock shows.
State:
{"hour": 3, "minute": 3}
